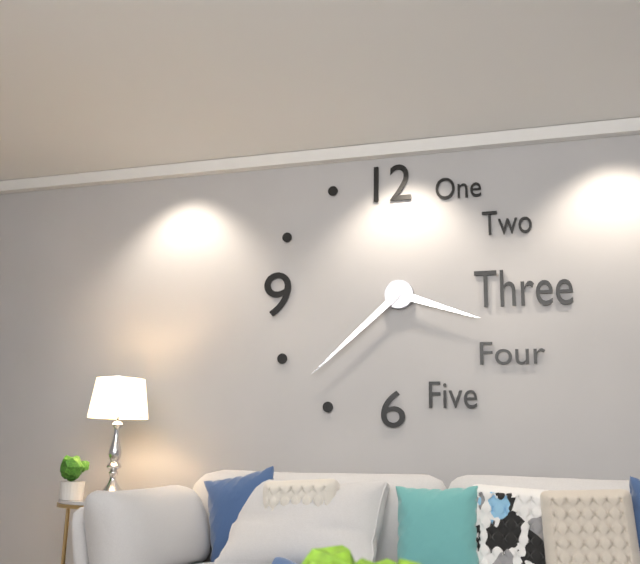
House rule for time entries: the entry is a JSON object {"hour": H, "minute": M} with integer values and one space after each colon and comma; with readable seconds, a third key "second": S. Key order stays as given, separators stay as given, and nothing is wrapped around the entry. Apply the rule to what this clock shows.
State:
{"hour": 3, "minute": 38}
